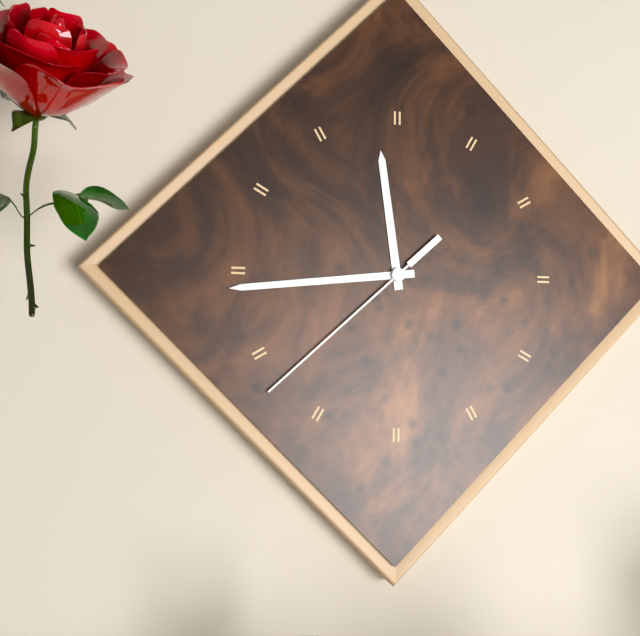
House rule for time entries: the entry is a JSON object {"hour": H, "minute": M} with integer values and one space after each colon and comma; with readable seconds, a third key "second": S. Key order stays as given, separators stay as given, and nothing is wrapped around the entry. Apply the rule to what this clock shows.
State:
{"hour": 11, "minute": 44, "second": 38}
